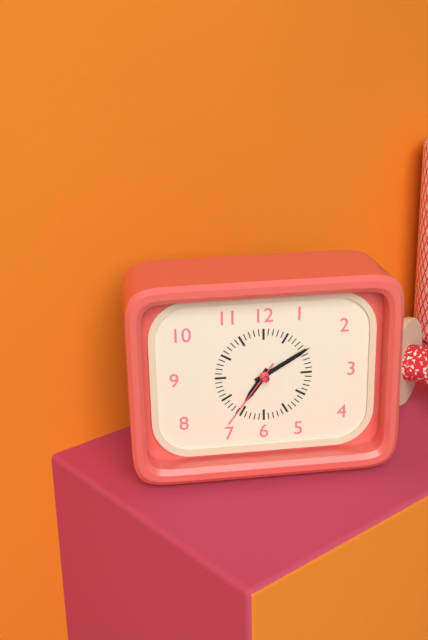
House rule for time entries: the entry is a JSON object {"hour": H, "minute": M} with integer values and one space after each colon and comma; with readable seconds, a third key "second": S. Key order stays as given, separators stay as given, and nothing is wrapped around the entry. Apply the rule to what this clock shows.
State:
{"hour": 7, "minute": 10, "second": 36}
